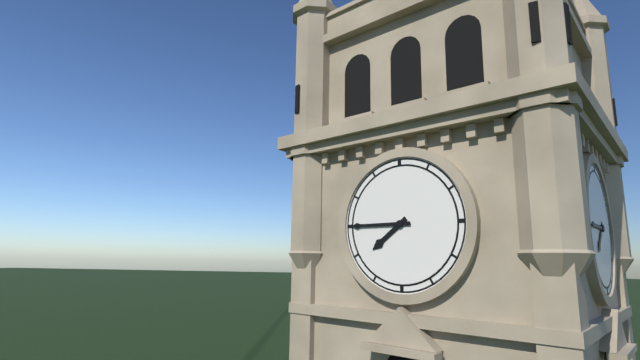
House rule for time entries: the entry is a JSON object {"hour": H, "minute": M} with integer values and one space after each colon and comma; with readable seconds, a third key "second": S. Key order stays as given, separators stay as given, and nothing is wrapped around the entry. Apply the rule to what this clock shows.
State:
{"hour": 7, "minute": 45}
